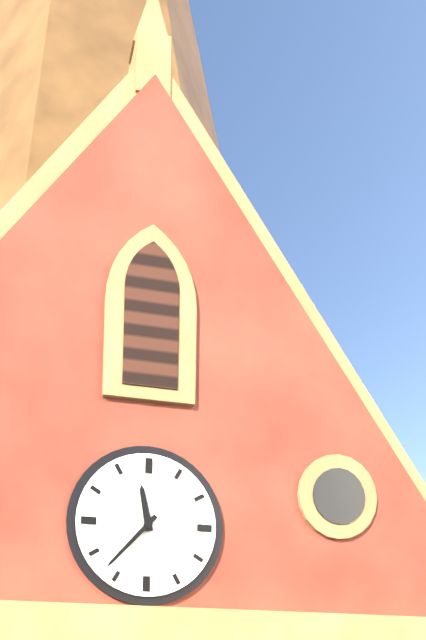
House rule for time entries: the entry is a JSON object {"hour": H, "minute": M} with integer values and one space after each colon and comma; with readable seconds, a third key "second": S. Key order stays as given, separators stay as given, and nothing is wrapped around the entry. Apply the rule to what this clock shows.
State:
{"hour": 11, "minute": 37}
